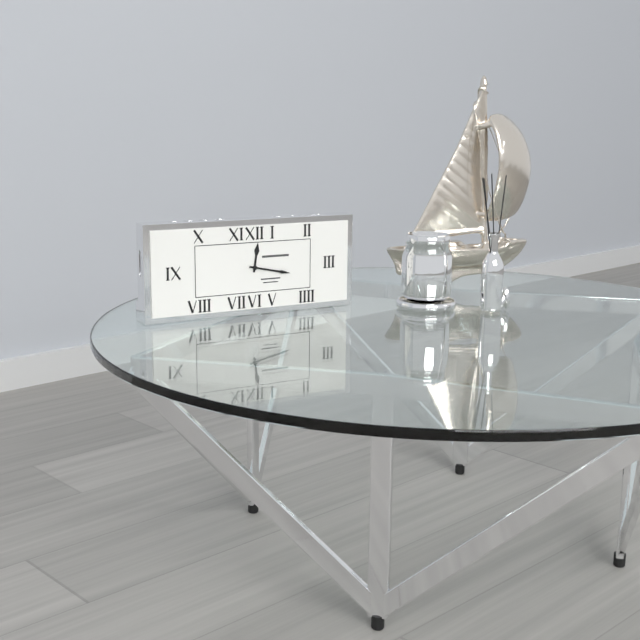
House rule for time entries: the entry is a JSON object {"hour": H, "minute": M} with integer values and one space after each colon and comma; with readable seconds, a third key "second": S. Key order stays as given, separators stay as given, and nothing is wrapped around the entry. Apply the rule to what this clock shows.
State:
{"hour": 12, "minute": 17}
